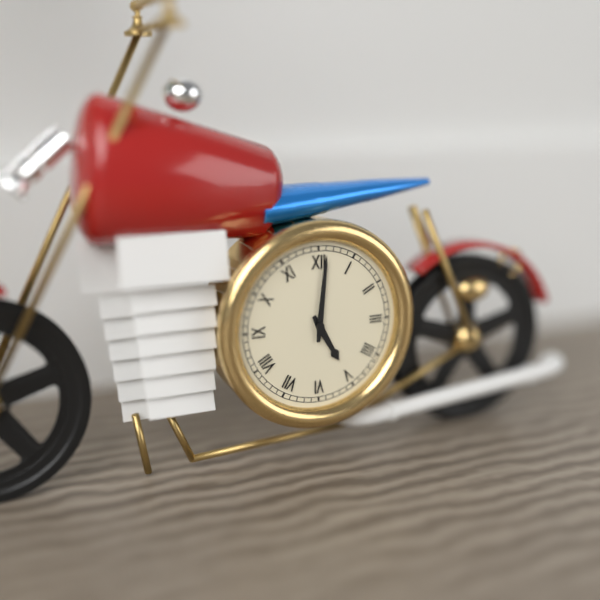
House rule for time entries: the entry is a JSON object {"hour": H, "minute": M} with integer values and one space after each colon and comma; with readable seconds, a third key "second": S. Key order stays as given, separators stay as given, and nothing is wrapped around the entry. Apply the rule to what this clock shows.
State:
{"hour": 5, "minute": 1}
